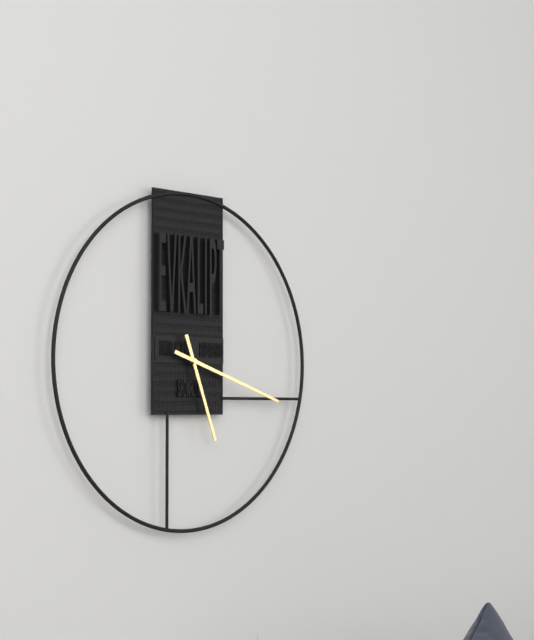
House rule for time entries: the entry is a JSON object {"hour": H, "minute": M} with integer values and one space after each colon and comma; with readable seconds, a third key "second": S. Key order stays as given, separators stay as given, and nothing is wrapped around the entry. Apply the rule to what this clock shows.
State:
{"hour": 5, "minute": 18}
